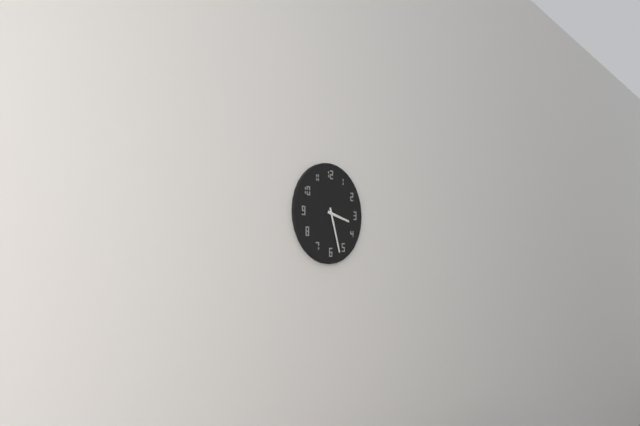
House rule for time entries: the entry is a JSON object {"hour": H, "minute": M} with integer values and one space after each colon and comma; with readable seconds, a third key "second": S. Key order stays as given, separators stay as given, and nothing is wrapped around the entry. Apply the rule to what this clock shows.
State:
{"hour": 3, "minute": 27}
